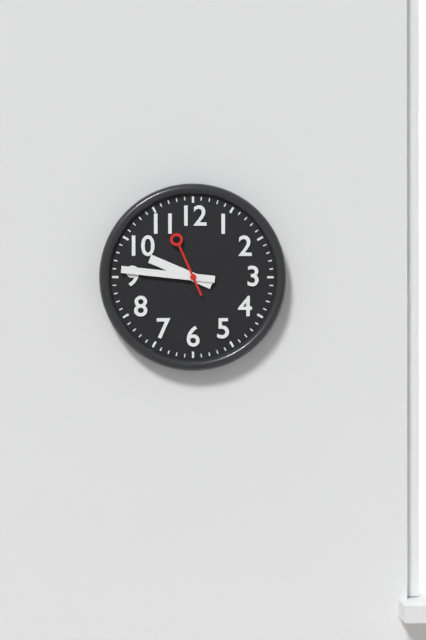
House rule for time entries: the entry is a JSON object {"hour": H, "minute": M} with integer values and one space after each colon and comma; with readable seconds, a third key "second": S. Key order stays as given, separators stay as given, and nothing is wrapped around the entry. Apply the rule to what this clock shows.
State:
{"hour": 9, "minute": 46, "second": 56}
